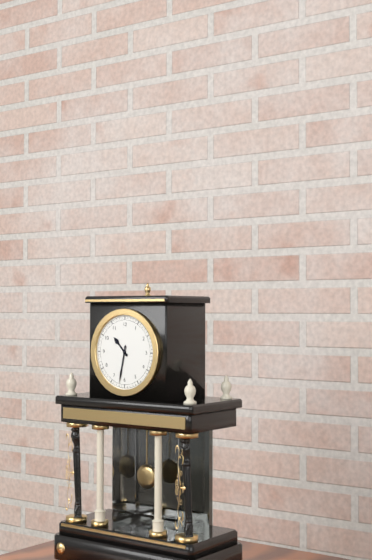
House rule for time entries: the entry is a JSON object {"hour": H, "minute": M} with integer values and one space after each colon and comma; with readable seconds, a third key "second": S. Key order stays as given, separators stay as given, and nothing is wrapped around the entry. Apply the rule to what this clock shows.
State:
{"hour": 10, "minute": 32}
